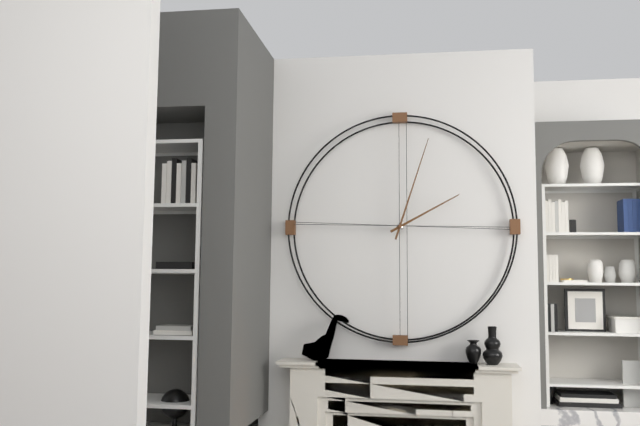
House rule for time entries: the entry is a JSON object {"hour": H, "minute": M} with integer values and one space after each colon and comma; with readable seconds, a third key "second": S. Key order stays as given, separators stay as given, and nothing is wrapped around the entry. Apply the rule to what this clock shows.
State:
{"hour": 2, "minute": 3}
